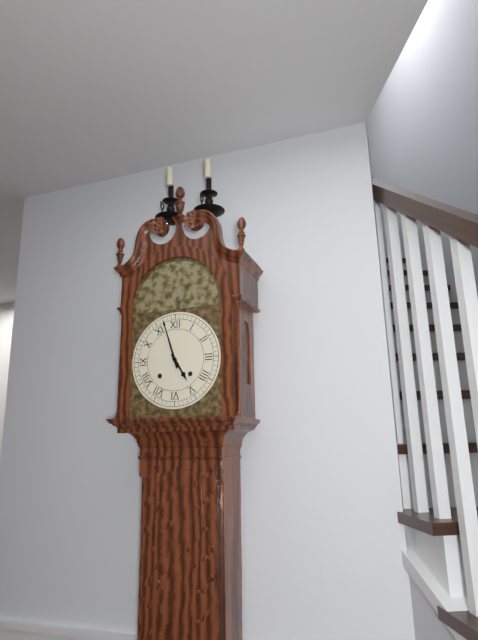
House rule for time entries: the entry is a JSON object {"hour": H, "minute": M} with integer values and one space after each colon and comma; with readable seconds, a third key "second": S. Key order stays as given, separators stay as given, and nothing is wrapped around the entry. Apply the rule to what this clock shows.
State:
{"hour": 4, "minute": 57}
